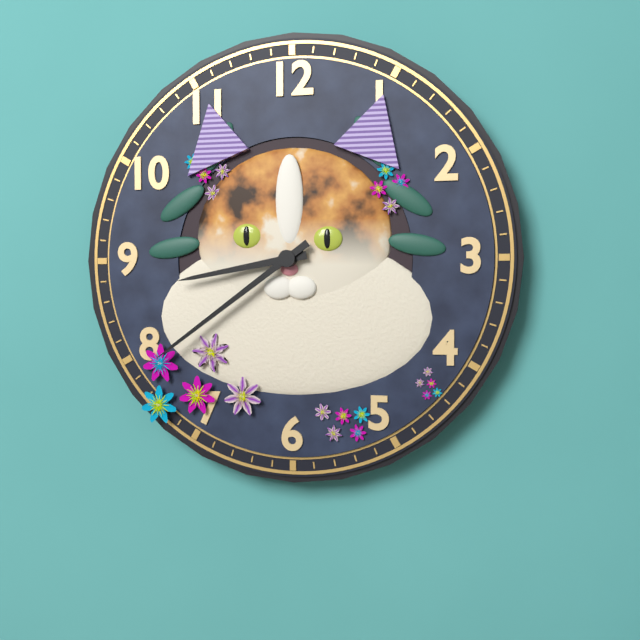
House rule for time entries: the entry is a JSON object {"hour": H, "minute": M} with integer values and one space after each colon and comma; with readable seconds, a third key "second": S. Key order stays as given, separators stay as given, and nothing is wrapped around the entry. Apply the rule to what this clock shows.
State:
{"hour": 8, "minute": 39}
